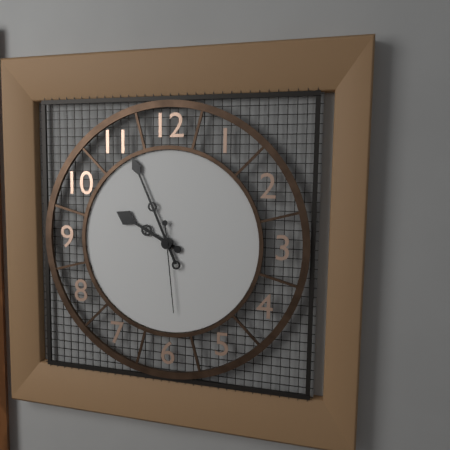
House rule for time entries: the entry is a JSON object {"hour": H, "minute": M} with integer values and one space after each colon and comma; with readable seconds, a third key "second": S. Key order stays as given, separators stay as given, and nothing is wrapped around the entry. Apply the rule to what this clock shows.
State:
{"hour": 9, "minute": 56, "second": 29}
